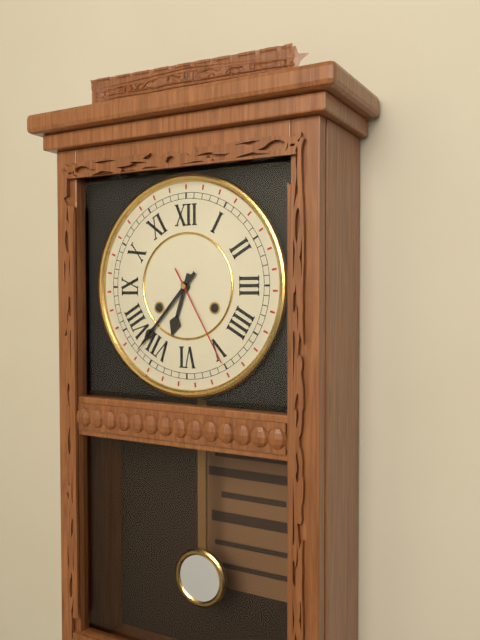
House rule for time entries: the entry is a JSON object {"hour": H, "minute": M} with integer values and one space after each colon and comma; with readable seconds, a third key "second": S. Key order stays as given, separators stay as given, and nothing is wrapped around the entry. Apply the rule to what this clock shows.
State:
{"hour": 6, "minute": 37, "second": 25}
